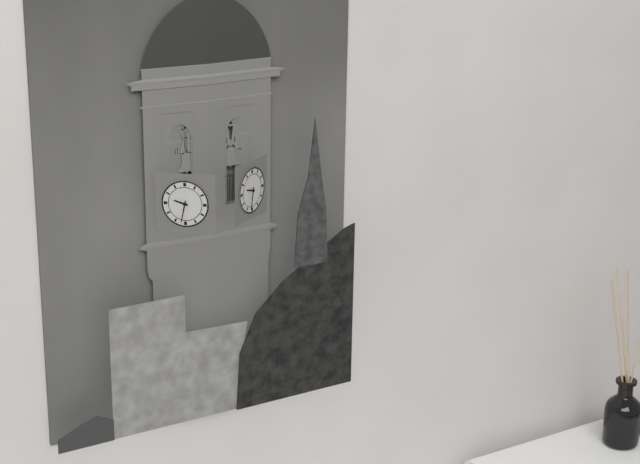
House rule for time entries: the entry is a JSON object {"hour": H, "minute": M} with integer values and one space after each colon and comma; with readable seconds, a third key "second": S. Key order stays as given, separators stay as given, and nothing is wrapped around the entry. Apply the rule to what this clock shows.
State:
{"hour": 9, "minute": 32}
